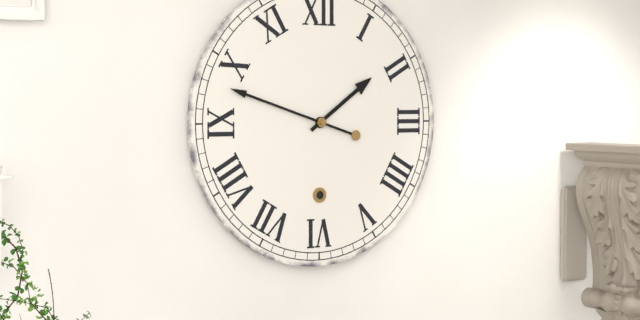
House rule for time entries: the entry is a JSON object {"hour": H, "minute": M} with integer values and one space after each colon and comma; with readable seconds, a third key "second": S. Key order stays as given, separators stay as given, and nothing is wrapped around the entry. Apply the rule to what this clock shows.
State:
{"hour": 1, "minute": 48}
